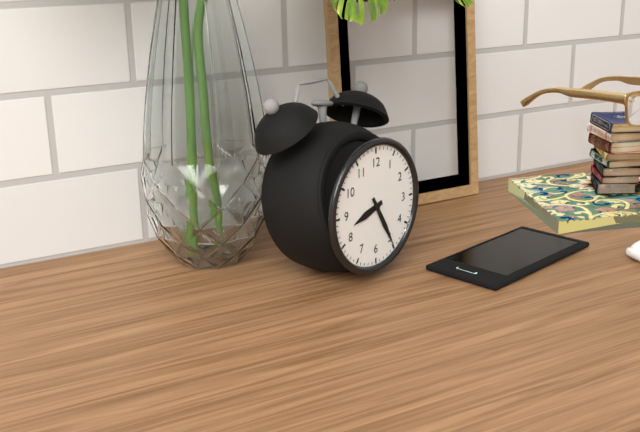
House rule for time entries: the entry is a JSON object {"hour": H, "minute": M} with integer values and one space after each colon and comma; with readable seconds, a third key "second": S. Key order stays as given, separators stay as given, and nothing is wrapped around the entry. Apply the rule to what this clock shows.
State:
{"hour": 8, "minute": 25}
